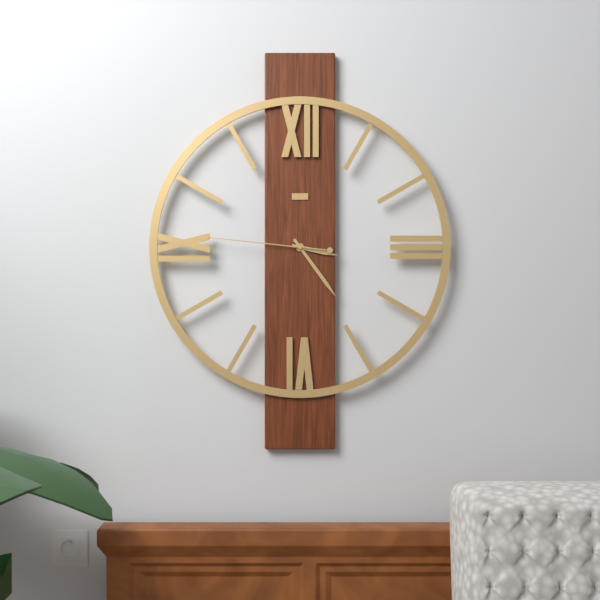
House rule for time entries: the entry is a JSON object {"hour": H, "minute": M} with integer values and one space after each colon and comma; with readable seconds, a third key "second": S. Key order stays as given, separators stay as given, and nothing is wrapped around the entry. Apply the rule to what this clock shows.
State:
{"hour": 3, "minute": 24, "second": 46}
